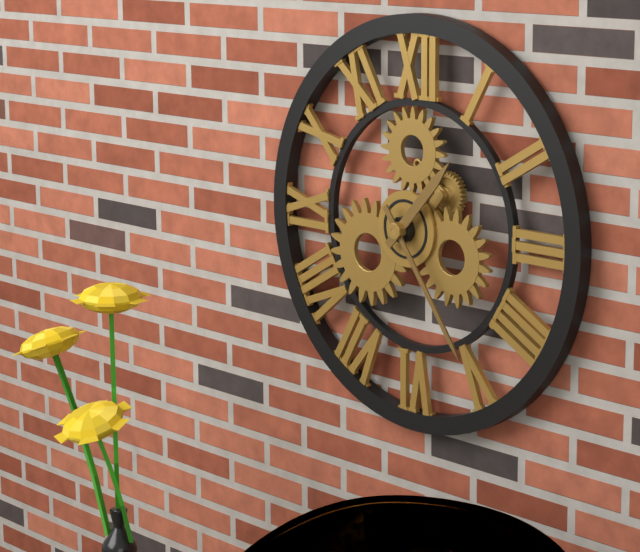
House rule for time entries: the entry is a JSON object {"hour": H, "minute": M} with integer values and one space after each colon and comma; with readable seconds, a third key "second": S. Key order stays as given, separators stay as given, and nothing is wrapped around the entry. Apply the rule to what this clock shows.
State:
{"hour": 1, "minute": 24}
